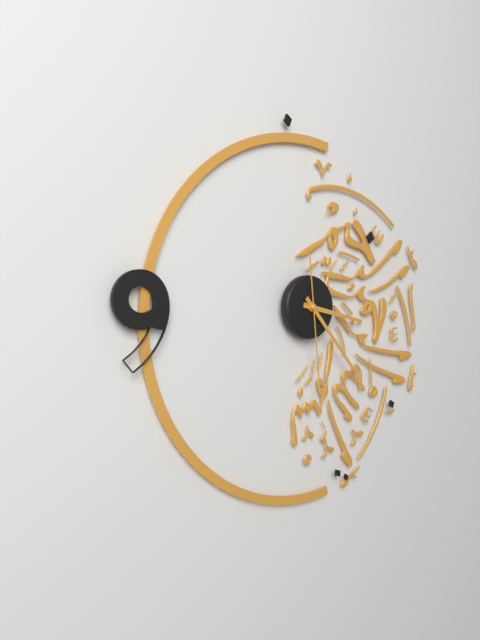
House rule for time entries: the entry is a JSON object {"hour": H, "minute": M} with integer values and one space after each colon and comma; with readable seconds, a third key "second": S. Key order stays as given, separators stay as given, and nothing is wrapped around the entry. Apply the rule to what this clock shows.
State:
{"hour": 3, "minute": 23, "second": 29}
